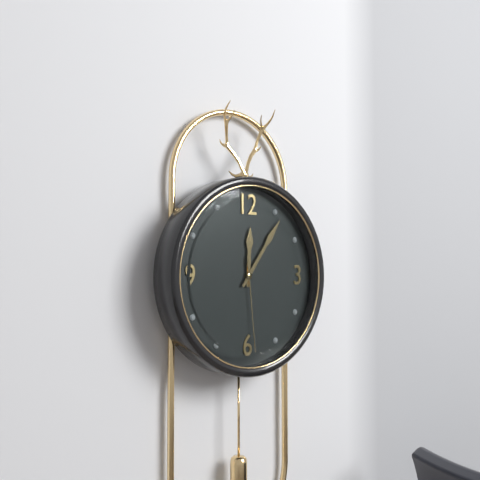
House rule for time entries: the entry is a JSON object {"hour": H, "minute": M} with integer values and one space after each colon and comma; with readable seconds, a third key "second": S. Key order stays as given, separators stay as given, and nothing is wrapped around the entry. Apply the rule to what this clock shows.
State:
{"hour": 12, "minute": 6, "second": 29}
